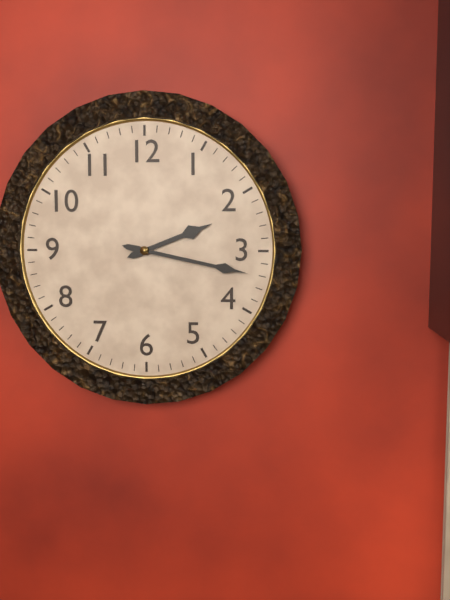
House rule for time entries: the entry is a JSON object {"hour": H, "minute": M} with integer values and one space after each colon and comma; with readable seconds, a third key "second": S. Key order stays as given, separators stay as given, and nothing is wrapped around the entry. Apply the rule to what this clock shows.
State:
{"hour": 2, "minute": 17}
